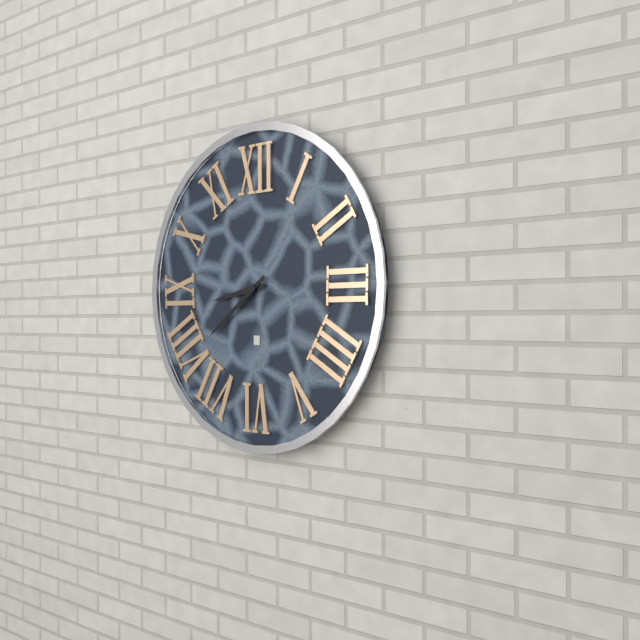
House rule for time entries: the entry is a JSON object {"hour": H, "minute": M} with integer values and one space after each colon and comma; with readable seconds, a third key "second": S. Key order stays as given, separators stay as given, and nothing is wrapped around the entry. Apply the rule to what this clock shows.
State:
{"hour": 8, "minute": 39}
